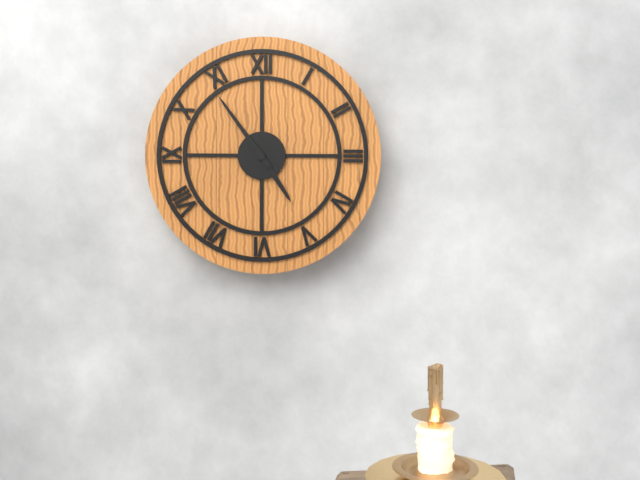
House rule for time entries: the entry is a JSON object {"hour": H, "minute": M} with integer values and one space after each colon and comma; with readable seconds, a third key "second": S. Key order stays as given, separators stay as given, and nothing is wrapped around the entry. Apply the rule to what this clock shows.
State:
{"hour": 4, "minute": 54}
